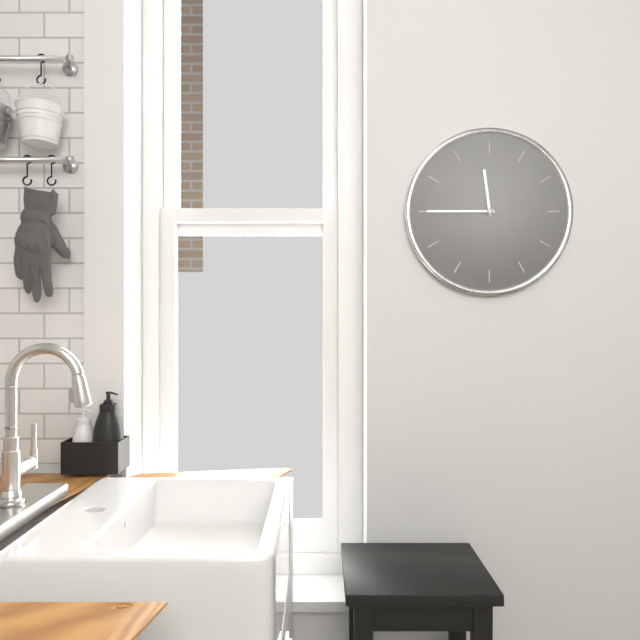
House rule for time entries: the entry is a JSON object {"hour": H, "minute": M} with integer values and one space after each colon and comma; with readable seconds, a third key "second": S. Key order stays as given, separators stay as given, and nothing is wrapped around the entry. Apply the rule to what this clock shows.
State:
{"hour": 11, "minute": 45}
